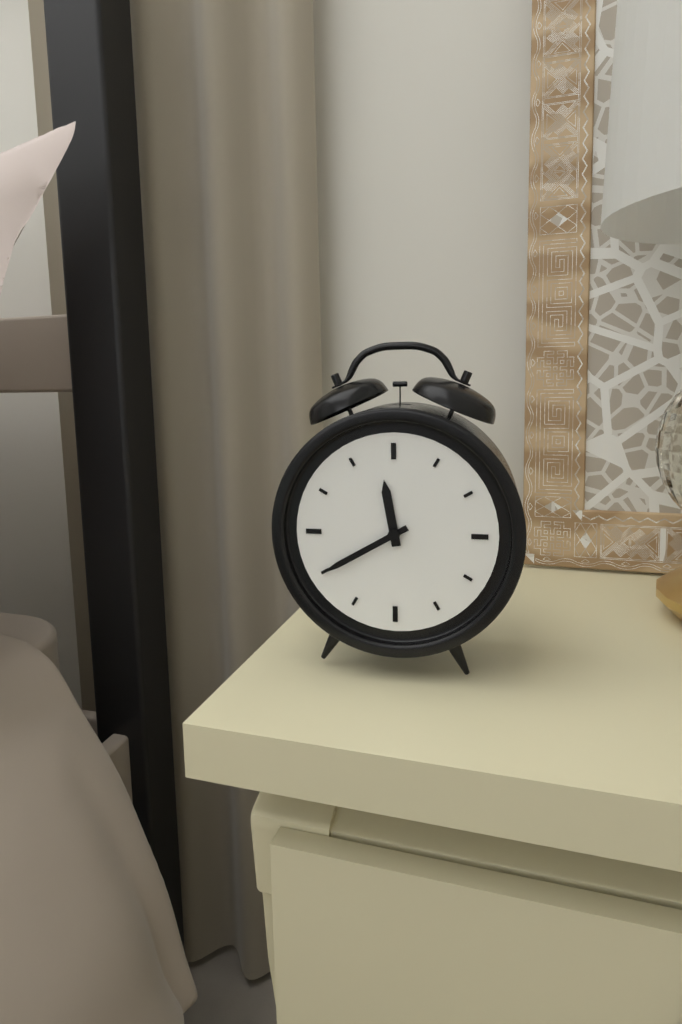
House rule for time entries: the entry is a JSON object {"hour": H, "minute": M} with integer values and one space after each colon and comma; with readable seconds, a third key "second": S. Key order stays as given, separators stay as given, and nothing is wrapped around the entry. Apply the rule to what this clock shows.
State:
{"hour": 11, "minute": 40}
